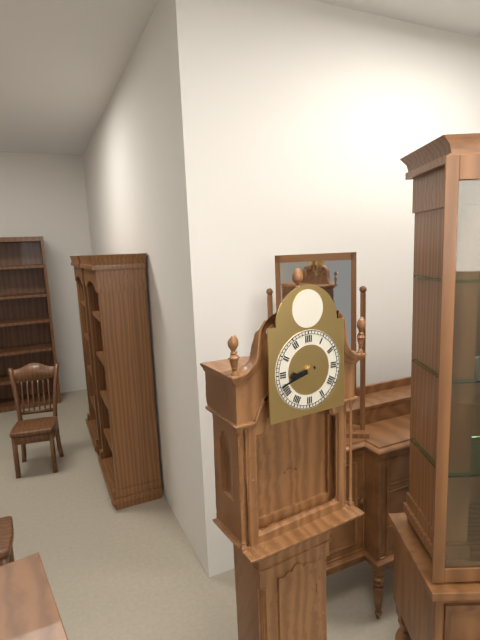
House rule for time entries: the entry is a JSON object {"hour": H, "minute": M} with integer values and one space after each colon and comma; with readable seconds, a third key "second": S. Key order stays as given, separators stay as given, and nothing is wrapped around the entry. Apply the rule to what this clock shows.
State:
{"hour": 8, "minute": 42}
